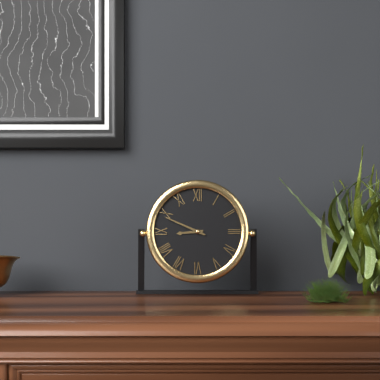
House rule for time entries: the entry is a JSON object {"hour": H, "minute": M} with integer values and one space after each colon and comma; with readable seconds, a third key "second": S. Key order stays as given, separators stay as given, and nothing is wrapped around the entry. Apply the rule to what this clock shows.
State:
{"hour": 8, "minute": 49}
